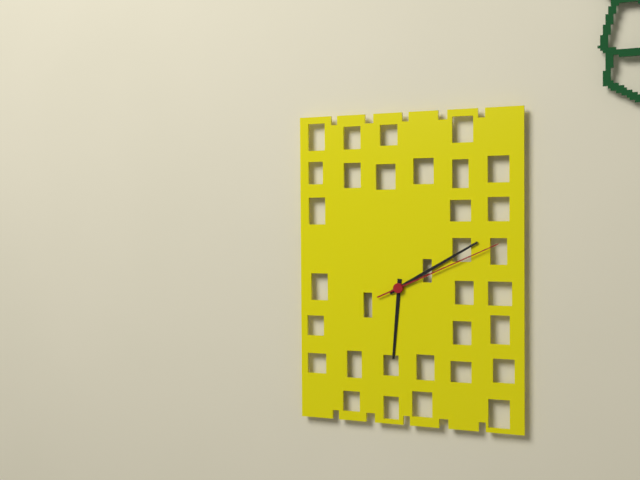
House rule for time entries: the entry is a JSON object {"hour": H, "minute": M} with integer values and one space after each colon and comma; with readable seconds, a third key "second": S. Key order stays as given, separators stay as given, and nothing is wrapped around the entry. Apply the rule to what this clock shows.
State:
{"hour": 6, "minute": 10, "second": 11}
